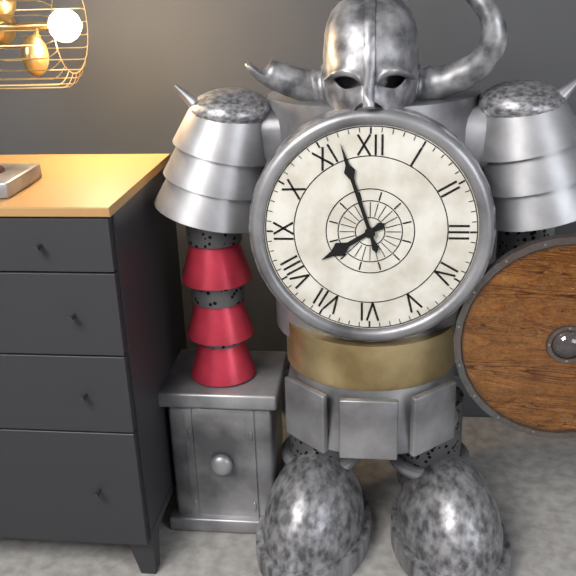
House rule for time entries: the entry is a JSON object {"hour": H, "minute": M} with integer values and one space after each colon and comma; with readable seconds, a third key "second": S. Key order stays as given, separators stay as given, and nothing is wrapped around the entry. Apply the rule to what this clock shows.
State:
{"hour": 7, "minute": 57}
